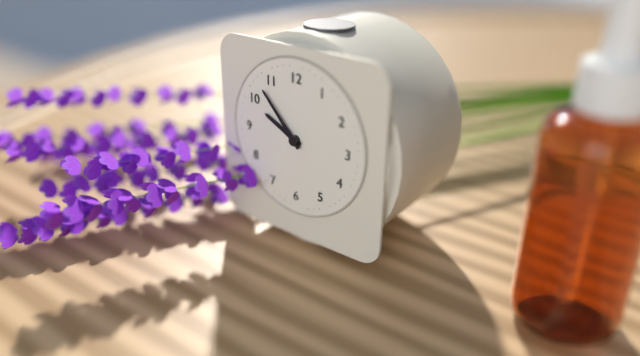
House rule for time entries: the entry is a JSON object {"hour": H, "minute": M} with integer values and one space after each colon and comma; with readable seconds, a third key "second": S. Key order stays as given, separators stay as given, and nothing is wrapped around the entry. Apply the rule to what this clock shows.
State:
{"hour": 9, "minute": 53}
